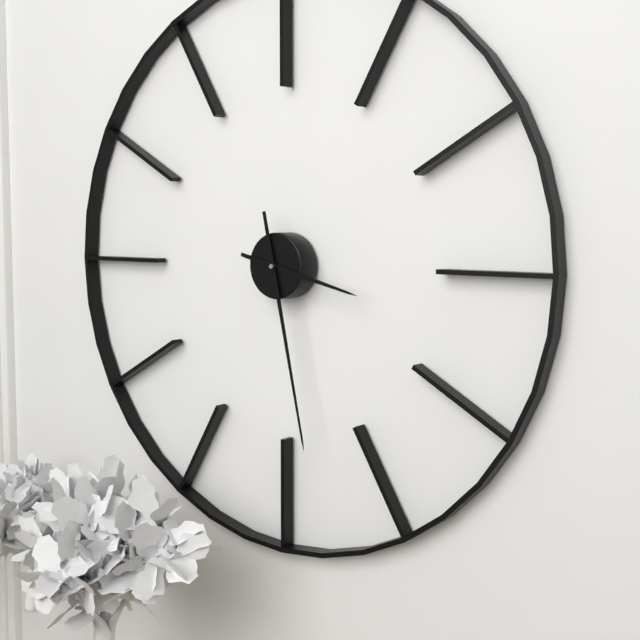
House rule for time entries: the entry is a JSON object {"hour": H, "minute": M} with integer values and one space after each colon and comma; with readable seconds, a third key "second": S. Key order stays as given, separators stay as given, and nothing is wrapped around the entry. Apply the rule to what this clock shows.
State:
{"hour": 3, "minute": 28}
